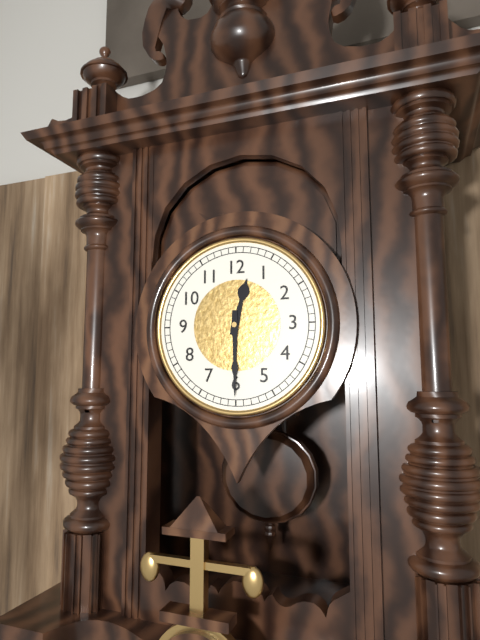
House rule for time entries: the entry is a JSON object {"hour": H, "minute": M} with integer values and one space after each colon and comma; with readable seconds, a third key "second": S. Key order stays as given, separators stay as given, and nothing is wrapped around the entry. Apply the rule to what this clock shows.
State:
{"hour": 12, "minute": 30}
